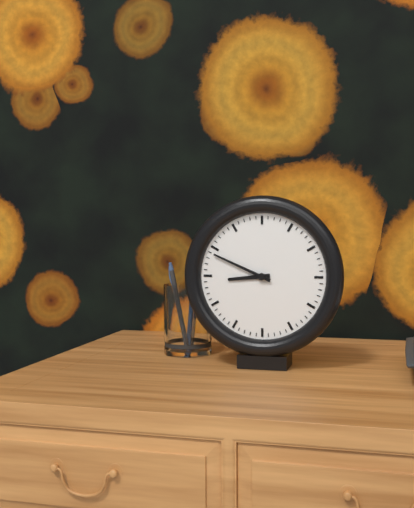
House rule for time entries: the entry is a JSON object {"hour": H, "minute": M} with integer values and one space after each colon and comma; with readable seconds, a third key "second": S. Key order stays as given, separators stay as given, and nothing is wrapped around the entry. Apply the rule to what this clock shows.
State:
{"hour": 8, "minute": 49}
